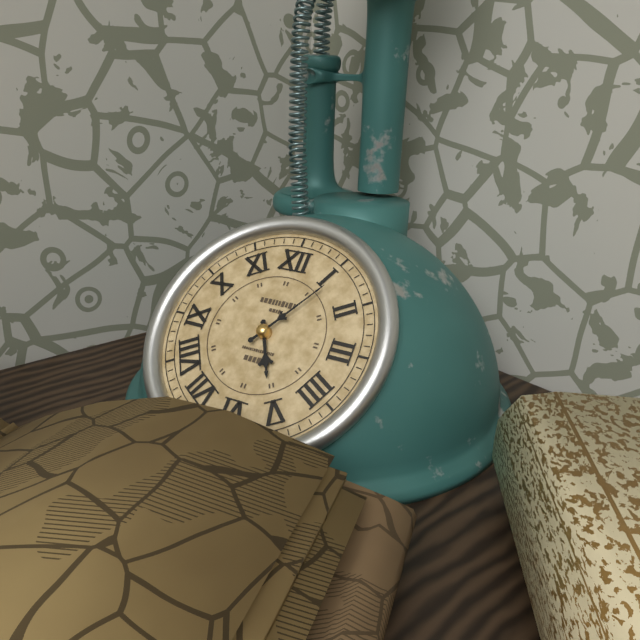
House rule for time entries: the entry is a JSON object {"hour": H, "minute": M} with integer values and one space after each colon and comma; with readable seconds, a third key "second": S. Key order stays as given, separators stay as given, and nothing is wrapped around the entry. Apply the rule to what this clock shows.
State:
{"hour": 5, "minute": 6}
